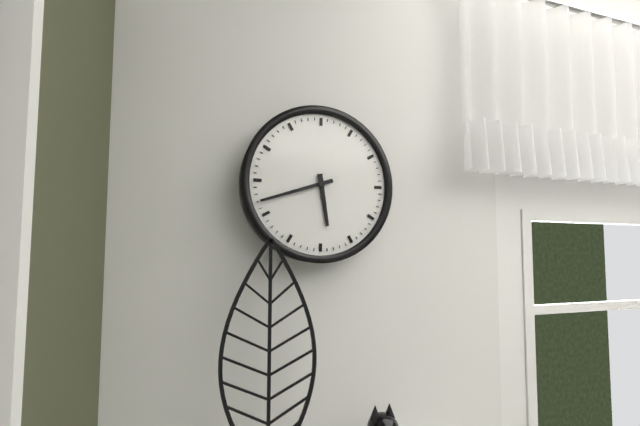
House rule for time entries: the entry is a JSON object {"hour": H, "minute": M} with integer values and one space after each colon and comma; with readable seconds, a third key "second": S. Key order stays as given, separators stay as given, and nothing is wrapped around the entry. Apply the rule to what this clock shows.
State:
{"hour": 5, "minute": 42}
